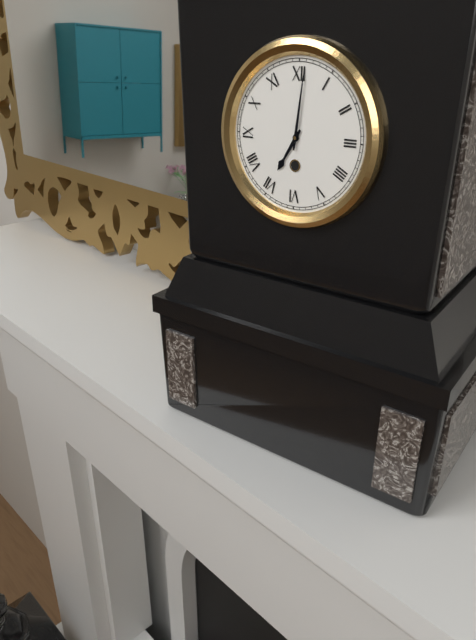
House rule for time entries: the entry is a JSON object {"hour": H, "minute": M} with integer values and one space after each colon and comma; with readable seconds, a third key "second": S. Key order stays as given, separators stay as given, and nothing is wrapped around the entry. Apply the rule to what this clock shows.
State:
{"hour": 7, "minute": 1}
